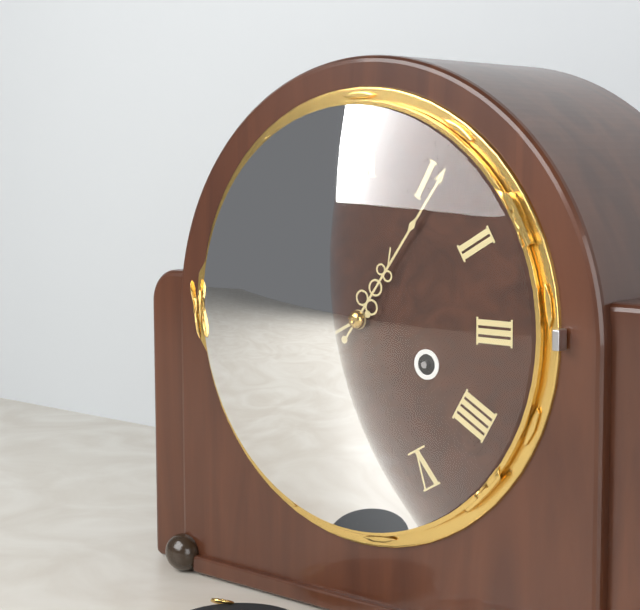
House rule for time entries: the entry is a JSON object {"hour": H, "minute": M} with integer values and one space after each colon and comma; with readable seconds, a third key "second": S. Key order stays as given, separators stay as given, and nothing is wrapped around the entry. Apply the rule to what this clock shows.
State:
{"hour": 8, "minute": 6}
